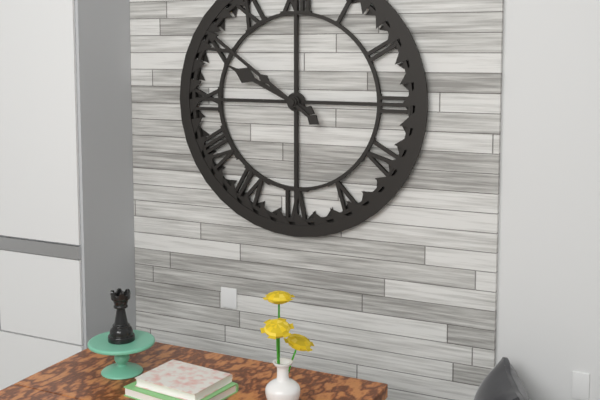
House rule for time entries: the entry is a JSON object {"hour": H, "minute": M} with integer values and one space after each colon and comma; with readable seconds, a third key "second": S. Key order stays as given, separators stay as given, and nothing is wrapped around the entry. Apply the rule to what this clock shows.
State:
{"hour": 9, "minute": 51}
